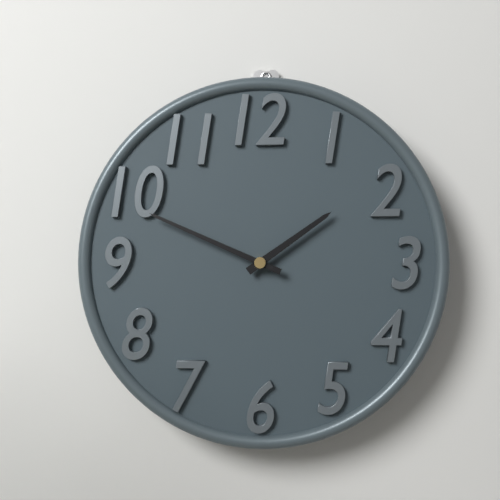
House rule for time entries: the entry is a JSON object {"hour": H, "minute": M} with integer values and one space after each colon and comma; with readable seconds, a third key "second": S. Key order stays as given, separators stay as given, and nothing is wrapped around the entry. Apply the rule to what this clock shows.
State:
{"hour": 1, "minute": 49}
